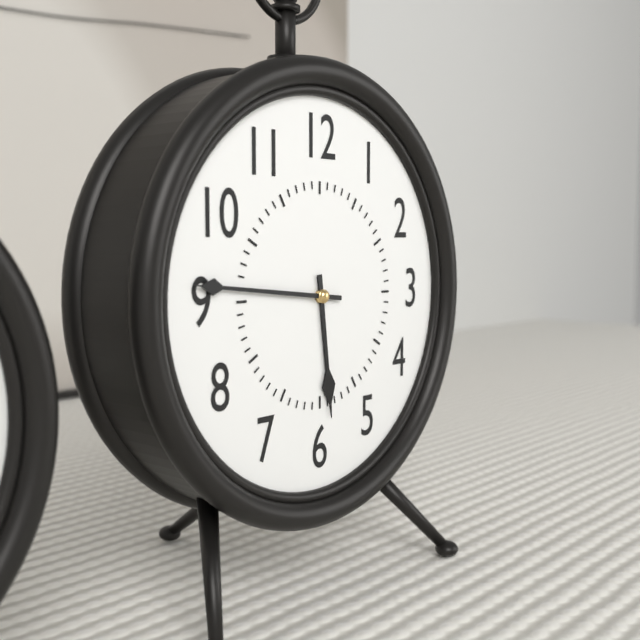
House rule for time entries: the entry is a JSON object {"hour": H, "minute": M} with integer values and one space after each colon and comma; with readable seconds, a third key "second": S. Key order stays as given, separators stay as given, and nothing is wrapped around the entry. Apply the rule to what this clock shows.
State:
{"hour": 5, "minute": 46}
